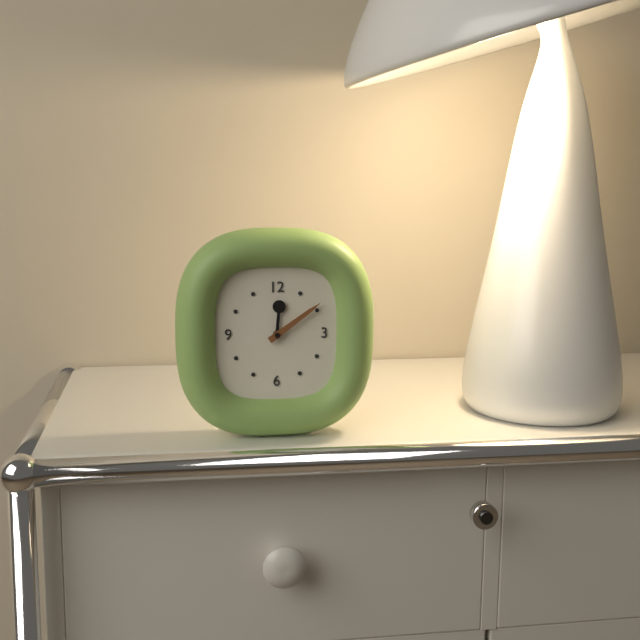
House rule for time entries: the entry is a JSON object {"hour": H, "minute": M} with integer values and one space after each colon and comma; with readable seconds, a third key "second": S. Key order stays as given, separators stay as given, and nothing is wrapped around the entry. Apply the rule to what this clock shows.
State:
{"hour": 12, "minute": 9}
